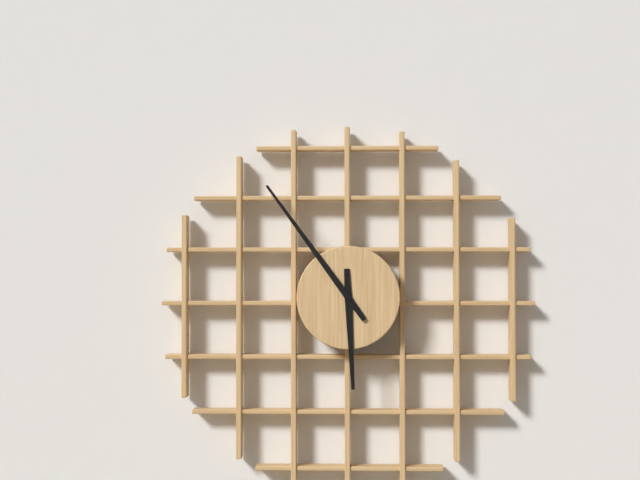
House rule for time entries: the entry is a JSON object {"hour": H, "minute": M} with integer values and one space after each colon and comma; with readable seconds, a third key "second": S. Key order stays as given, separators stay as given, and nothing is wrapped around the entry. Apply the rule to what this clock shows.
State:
{"hour": 5, "minute": 54}
